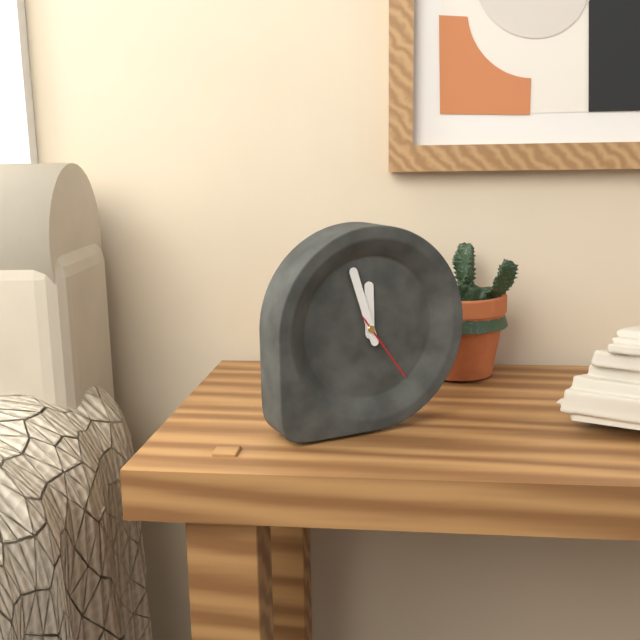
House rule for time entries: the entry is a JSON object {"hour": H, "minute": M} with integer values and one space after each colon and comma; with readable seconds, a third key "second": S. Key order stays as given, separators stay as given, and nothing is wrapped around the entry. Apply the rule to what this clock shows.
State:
{"hour": 11, "minute": 57, "second": 24}
